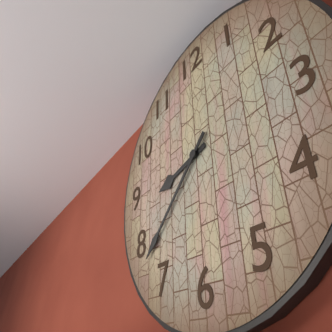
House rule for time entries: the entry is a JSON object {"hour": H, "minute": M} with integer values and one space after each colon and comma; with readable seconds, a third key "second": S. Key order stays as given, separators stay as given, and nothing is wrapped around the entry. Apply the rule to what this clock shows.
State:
{"hour": 8, "minute": 38}
